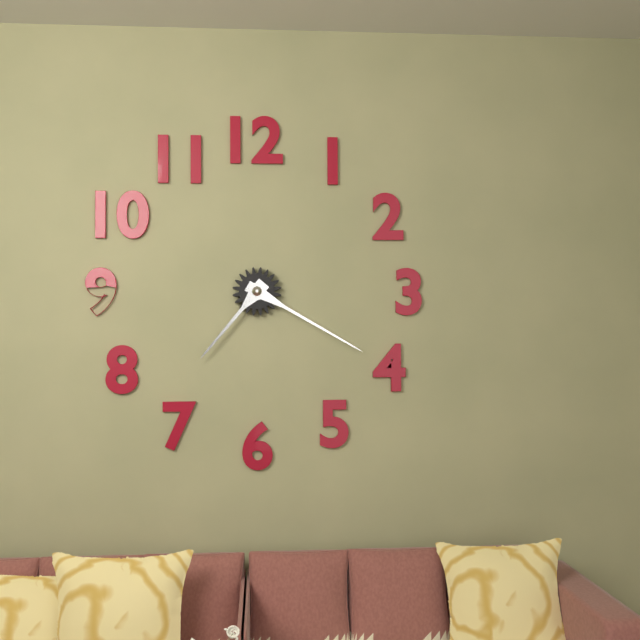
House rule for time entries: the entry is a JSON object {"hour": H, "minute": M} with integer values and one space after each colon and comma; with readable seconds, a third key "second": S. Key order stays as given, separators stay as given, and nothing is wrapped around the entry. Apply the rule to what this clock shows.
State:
{"hour": 7, "minute": 20}
